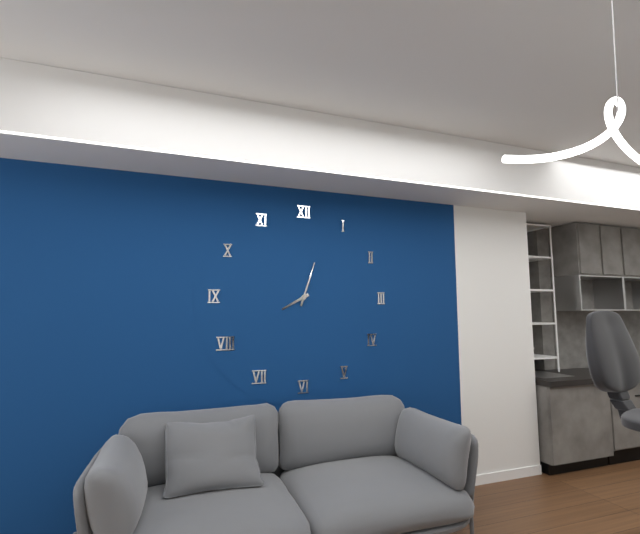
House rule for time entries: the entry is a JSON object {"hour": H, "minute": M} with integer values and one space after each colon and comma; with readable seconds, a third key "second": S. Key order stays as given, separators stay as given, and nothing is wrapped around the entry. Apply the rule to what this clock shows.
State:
{"hour": 8, "minute": 3}
